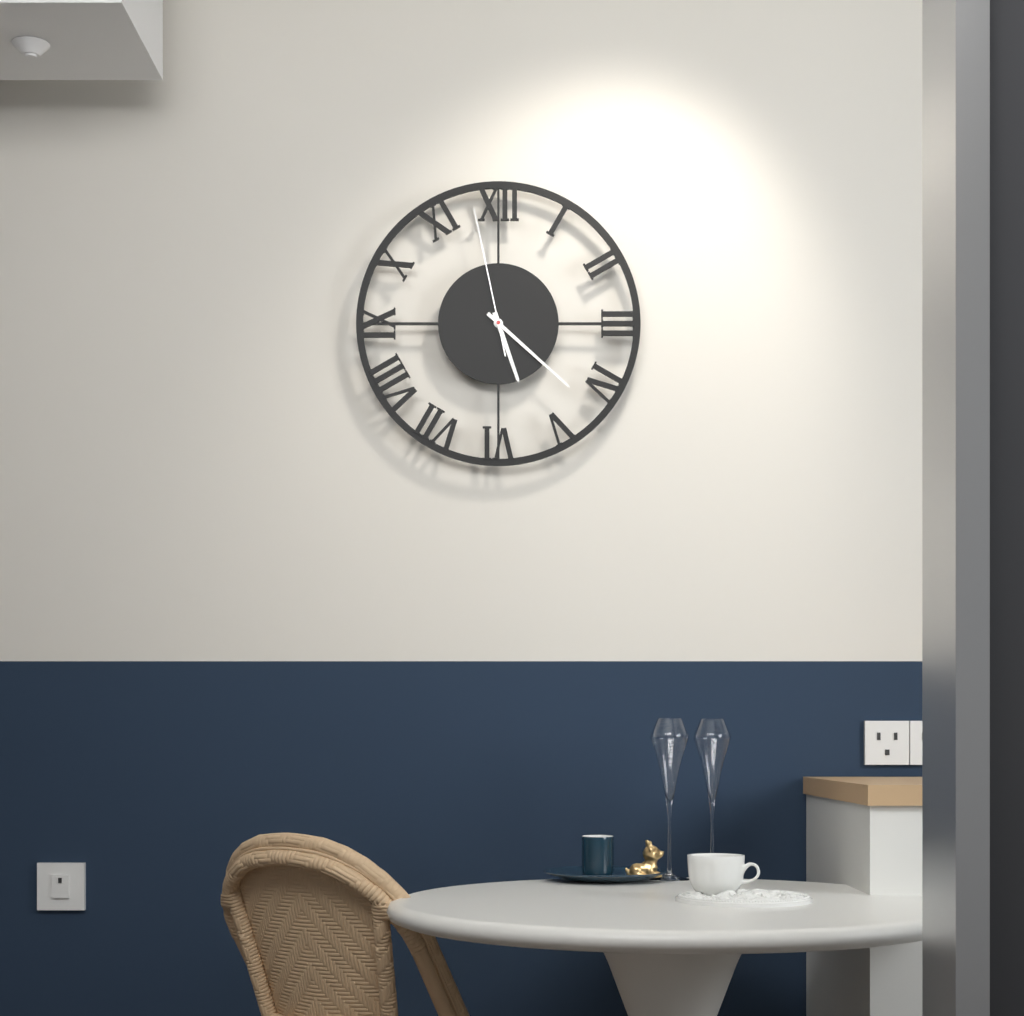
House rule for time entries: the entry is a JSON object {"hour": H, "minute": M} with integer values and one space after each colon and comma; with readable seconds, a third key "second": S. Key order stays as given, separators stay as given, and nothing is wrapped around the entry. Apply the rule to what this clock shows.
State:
{"hour": 5, "minute": 22, "second": 58}
